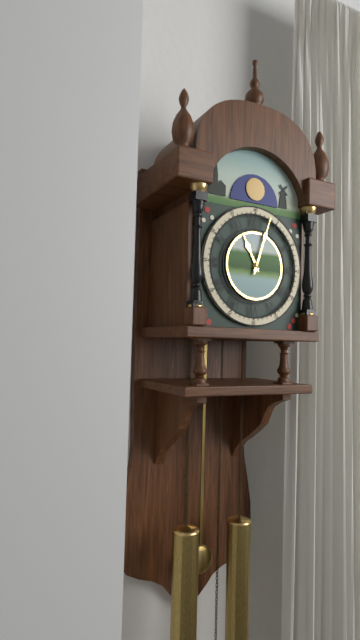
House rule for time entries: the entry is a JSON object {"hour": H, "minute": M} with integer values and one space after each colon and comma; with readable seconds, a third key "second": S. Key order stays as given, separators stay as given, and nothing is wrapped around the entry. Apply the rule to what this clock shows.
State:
{"hour": 11, "minute": 3}
